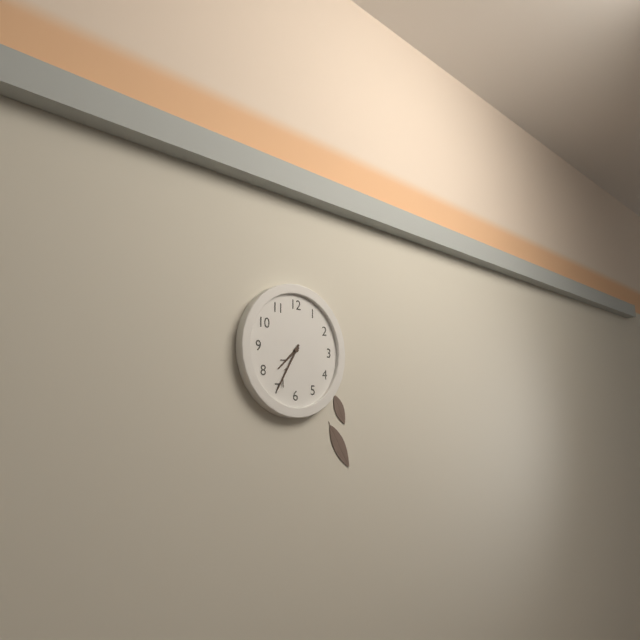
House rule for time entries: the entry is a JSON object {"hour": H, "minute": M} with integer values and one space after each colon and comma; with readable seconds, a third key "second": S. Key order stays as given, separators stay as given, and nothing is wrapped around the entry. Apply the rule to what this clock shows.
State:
{"hour": 7, "minute": 35}
